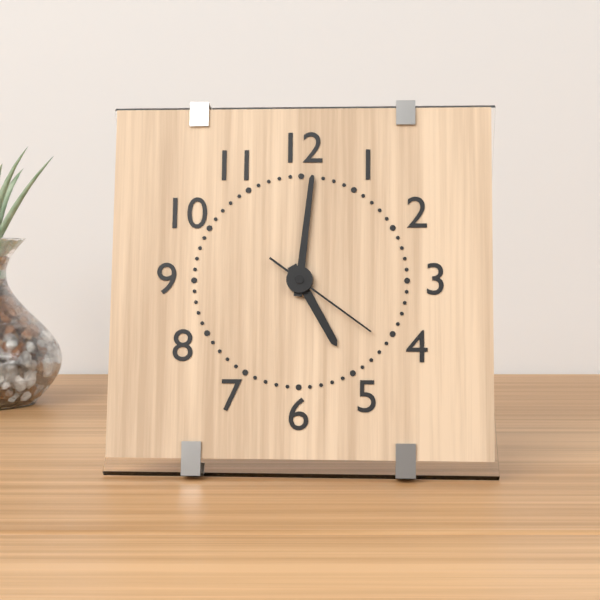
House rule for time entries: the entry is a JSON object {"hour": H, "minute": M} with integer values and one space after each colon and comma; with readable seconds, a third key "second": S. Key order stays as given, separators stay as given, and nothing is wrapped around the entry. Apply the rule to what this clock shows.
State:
{"hour": 5, "minute": 1, "second": 21}
